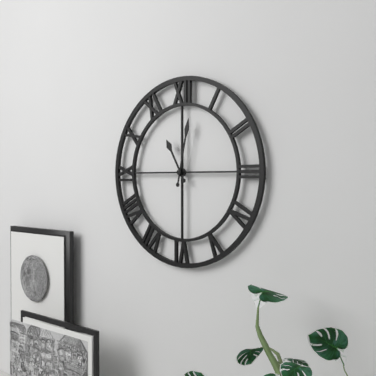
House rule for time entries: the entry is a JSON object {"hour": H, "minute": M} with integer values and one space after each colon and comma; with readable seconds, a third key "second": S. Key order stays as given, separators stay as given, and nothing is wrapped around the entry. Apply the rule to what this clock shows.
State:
{"hour": 11, "minute": 2}
